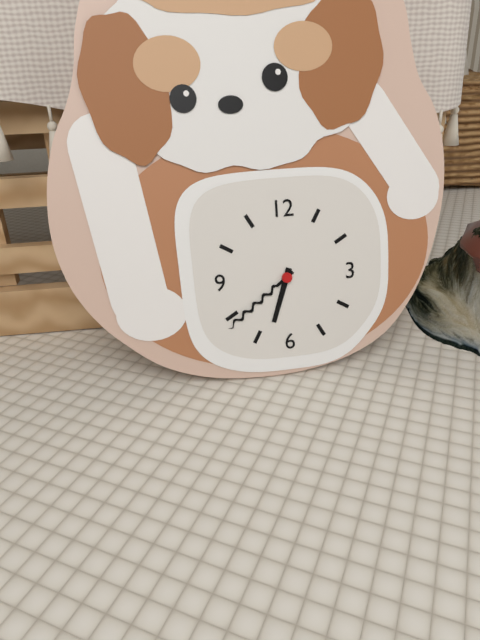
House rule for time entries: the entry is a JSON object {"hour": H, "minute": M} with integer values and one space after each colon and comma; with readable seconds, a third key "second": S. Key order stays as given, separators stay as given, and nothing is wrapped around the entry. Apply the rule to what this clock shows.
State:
{"hour": 6, "minute": 39}
